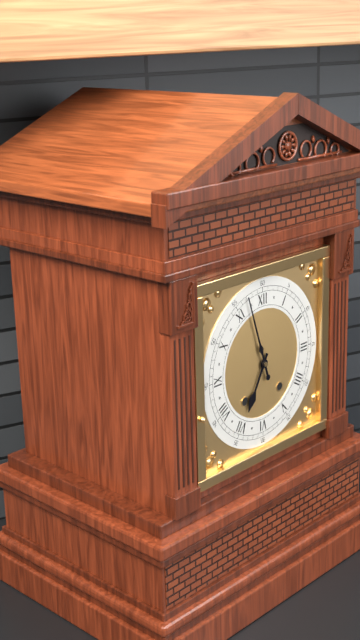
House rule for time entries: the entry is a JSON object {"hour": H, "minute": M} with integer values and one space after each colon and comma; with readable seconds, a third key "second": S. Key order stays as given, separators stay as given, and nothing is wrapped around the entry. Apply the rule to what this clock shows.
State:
{"hour": 6, "minute": 57}
